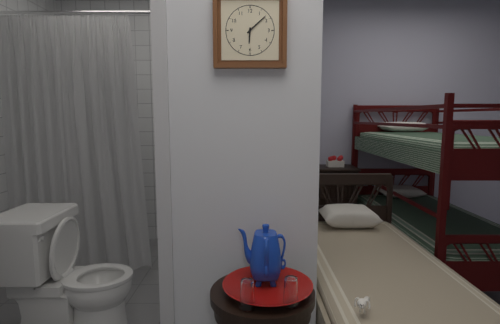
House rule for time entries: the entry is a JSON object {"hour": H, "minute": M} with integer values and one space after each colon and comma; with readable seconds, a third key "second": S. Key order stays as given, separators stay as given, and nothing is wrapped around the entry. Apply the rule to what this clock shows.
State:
{"hour": 6, "minute": 8}
